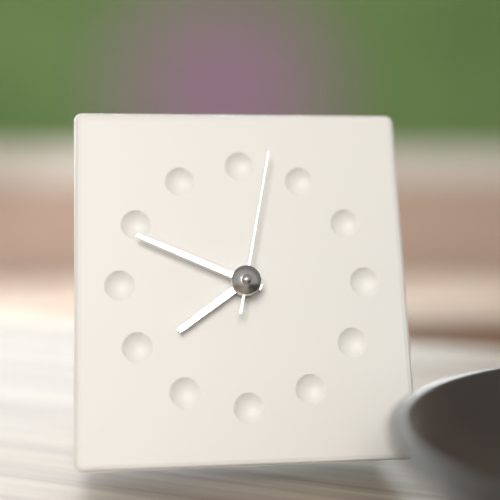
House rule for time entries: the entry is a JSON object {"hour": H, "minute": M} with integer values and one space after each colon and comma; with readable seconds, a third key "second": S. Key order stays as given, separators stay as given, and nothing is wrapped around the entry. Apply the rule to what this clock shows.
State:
{"hour": 7, "minute": 49, "second": 2}
